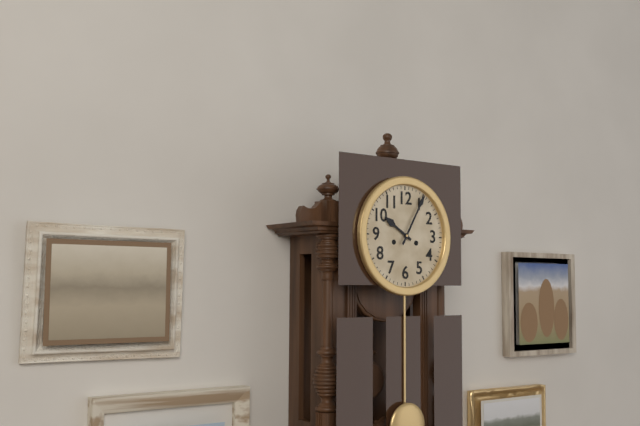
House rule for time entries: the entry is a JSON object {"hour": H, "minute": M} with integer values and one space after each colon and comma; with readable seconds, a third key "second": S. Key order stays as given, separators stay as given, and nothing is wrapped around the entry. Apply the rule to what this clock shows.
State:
{"hour": 10, "minute": 5}
